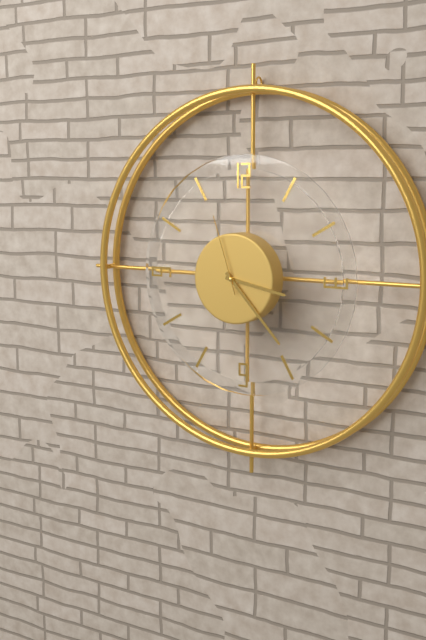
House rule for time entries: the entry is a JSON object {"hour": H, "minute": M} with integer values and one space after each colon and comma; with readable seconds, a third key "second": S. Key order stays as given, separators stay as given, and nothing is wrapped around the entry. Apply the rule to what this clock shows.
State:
{"hour": 3, "minute": 23, "second": 57}
